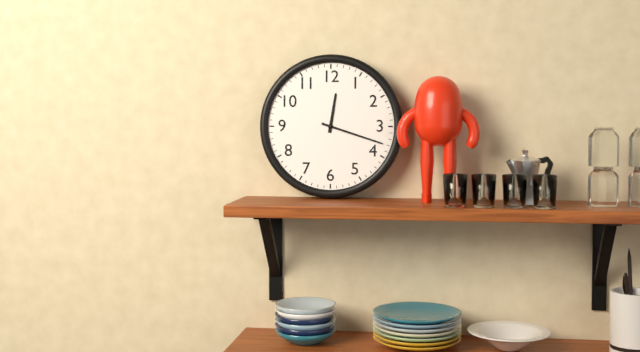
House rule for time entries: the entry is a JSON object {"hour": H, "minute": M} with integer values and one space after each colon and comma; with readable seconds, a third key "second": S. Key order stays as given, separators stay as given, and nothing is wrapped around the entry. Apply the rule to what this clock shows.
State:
{"hour": 12, "minute": 18}
